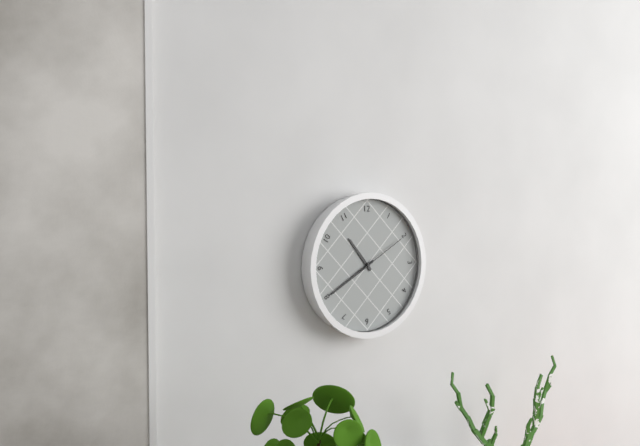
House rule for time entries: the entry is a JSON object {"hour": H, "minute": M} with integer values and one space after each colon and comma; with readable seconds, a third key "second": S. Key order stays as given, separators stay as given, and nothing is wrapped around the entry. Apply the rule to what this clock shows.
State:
{"hour": 10, "minute": 40, "second": 10}
